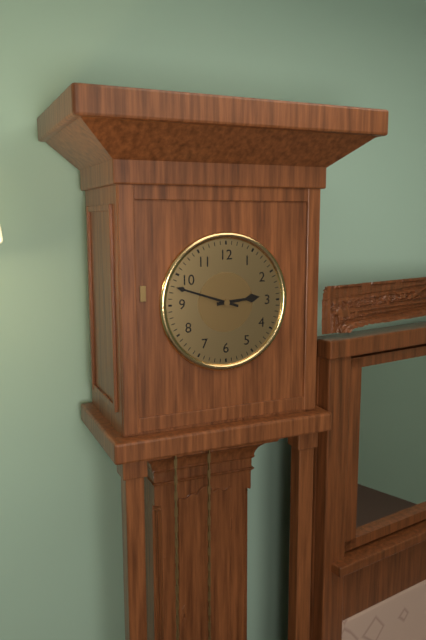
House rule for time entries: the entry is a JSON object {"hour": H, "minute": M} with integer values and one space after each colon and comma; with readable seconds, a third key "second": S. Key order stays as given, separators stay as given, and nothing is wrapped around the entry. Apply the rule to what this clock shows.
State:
{"hour": 2, "minute": 48}
